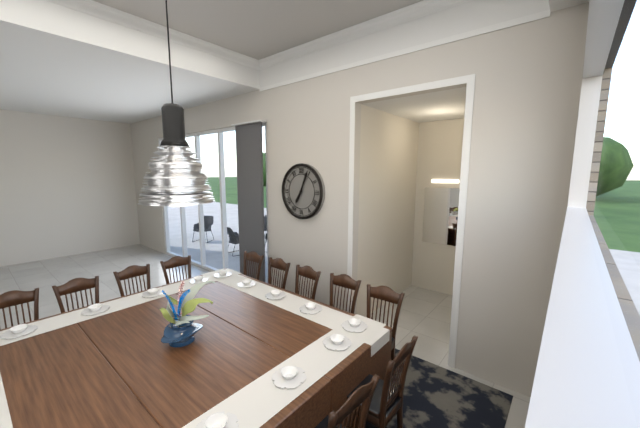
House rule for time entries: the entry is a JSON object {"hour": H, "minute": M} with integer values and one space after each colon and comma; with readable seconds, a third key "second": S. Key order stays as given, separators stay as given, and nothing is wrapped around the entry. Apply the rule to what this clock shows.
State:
{"hour": 7, "minute": 4}
